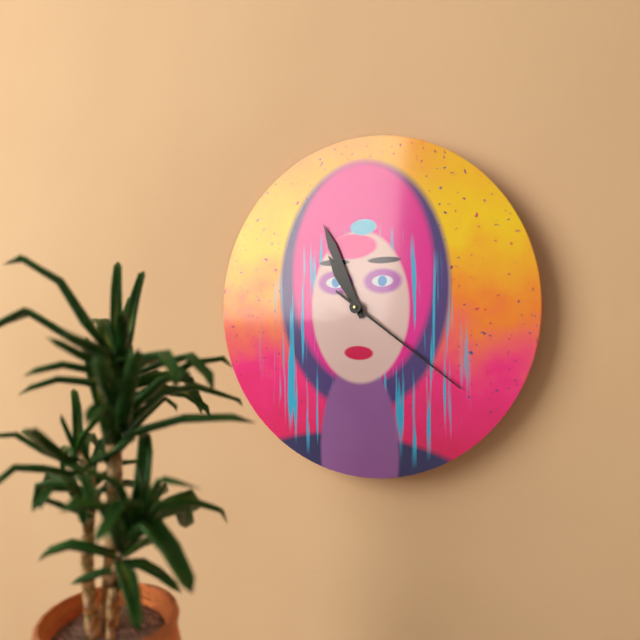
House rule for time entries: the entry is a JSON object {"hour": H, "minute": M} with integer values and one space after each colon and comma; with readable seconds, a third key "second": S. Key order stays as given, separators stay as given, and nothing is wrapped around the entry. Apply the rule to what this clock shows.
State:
{"hour": 10, "minute": 56, "second": 21}
